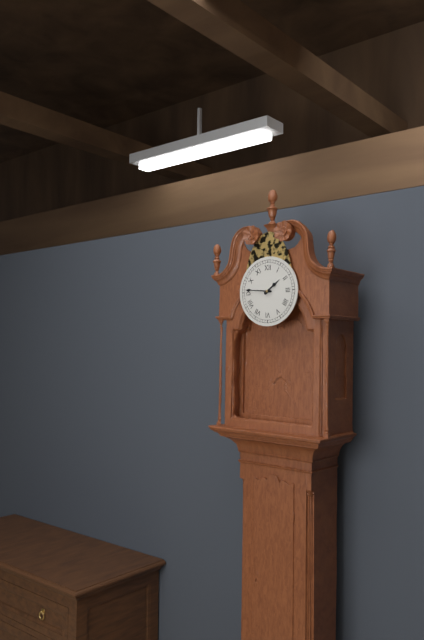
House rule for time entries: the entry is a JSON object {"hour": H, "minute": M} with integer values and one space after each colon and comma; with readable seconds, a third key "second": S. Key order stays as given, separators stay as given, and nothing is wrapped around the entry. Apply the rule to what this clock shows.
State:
{"hour": 1, "minute": 46}
